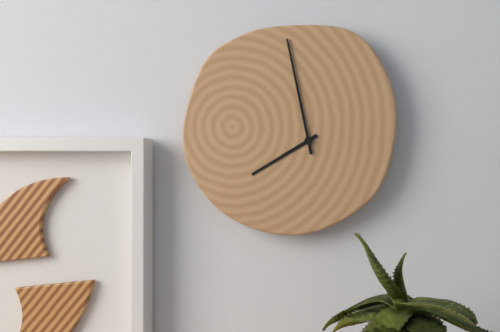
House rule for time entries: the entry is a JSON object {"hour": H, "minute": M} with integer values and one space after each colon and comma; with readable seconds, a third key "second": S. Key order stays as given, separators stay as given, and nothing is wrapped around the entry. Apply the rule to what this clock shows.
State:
{"hour": 7, "minute": 58}
